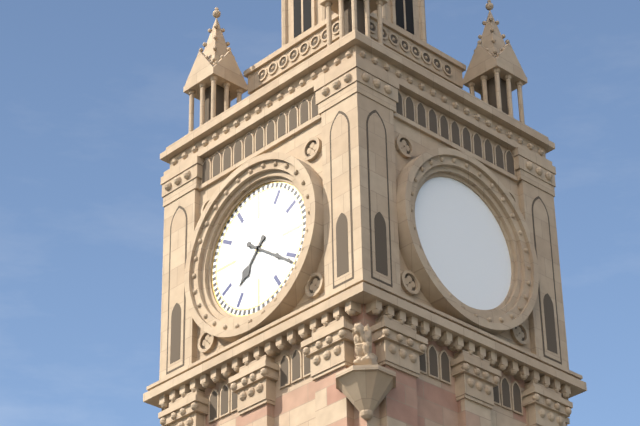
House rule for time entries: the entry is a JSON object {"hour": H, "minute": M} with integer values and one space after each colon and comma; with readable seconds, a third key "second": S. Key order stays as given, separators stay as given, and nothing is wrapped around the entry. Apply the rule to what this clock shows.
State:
{"hour": 7, "minute": 21}
